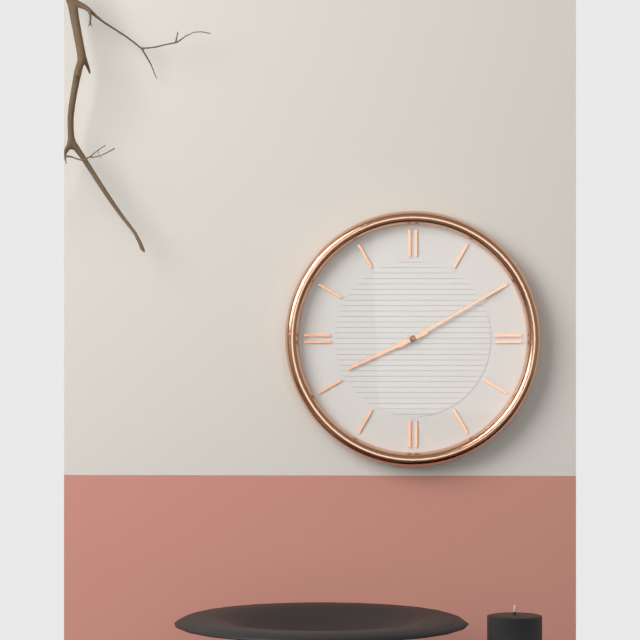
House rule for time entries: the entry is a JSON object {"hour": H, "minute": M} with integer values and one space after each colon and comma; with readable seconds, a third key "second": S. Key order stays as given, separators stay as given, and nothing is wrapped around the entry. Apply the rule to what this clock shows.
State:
{"hour": 8, "minute": 10}
